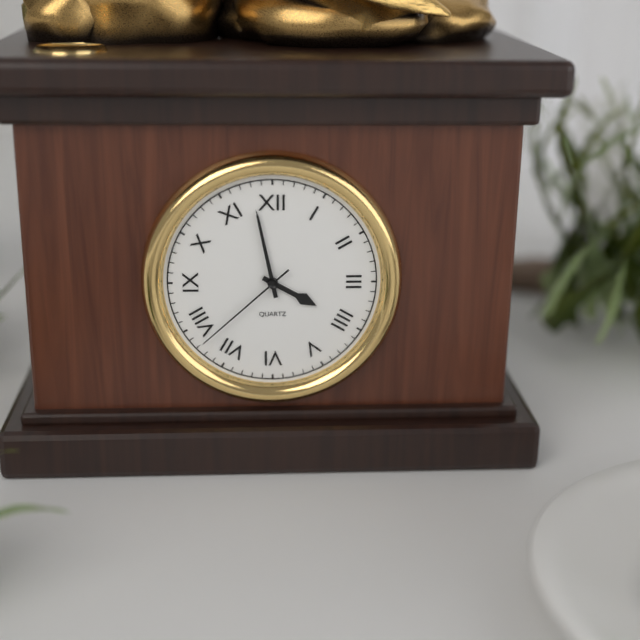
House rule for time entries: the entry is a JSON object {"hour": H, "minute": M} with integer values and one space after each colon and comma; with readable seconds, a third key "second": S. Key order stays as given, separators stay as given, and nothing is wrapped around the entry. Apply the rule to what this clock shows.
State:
{"hour": 3, "minute": 58, "second": 38}
